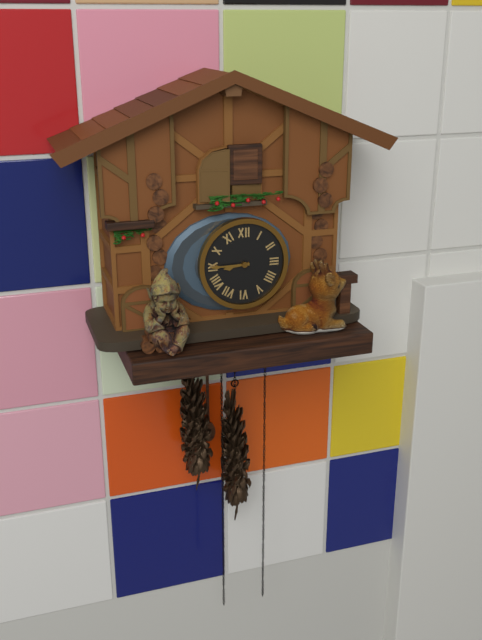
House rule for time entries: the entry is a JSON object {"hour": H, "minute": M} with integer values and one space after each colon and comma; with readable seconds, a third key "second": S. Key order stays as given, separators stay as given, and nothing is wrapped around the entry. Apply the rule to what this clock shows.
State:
{"hour": 8, "minute": 45}
